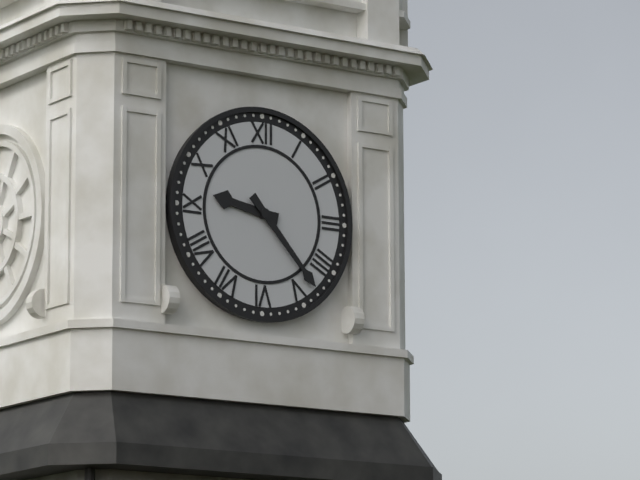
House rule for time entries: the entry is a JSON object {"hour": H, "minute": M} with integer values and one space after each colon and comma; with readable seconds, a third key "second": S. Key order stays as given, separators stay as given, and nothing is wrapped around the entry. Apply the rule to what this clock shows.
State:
{"hour": 9, "minute": 23}
